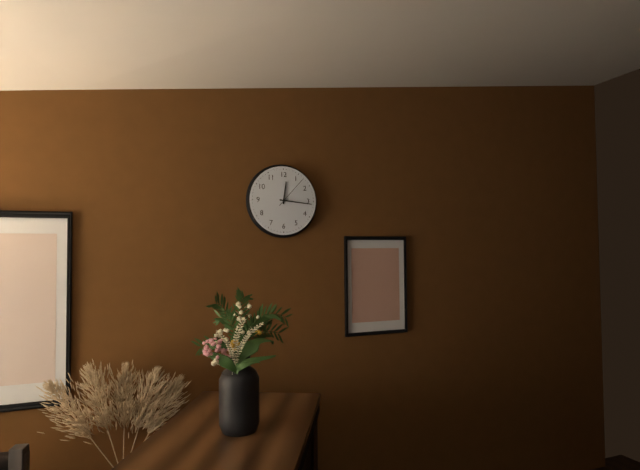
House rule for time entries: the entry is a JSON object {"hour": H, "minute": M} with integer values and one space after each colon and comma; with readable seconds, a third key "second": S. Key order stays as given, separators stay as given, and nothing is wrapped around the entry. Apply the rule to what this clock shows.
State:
{"hour": 12, "minute": 16}
